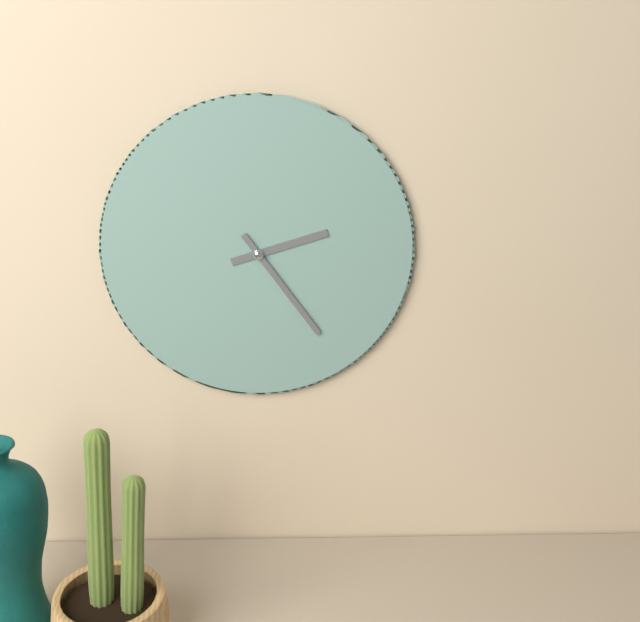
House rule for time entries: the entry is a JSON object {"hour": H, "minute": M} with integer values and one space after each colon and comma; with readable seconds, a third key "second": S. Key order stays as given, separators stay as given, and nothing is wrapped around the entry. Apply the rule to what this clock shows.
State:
{"hour": 2, "minute": 24}
